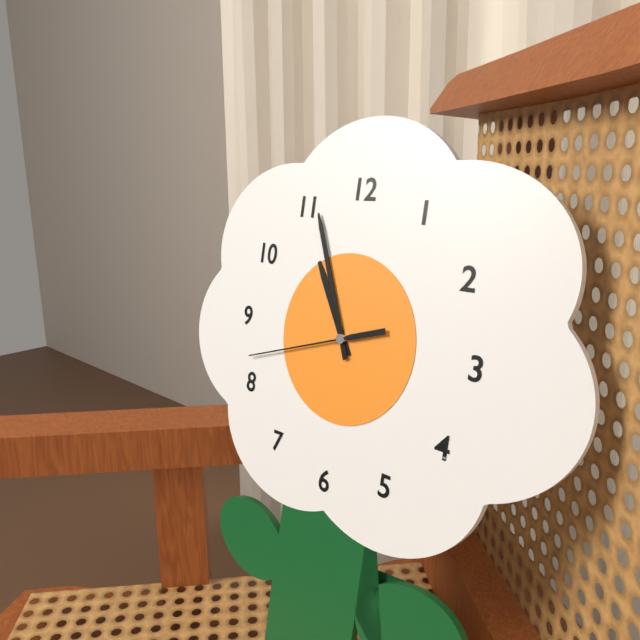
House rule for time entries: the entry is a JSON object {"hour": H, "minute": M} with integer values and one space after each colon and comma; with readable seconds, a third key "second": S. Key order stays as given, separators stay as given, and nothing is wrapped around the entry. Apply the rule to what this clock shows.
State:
{"hour": 10, "minute": 56, "second": 42}
